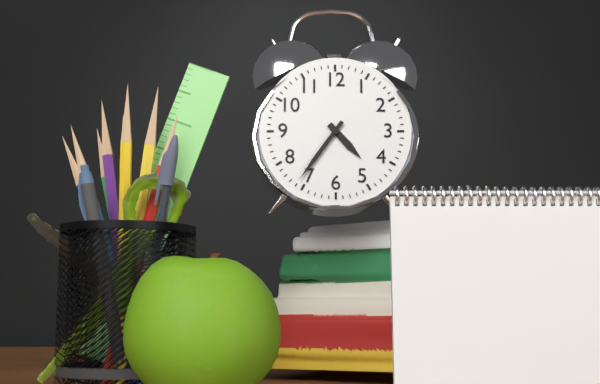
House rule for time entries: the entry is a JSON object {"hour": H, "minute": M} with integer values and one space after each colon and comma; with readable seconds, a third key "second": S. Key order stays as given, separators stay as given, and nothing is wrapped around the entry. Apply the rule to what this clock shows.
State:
{"hour": 4, "minute": 36}
